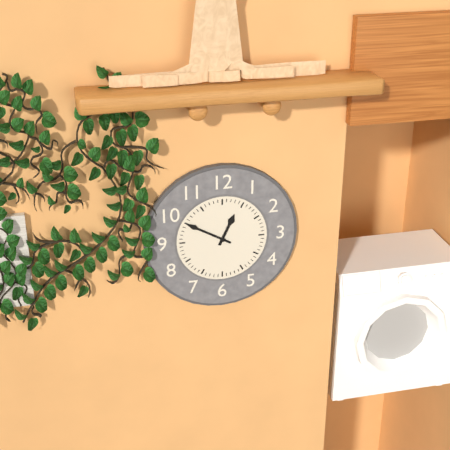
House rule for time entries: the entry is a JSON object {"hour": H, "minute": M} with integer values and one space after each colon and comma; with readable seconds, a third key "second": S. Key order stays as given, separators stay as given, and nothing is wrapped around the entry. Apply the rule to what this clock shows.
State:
{"hour": 12, "minute": 50}
